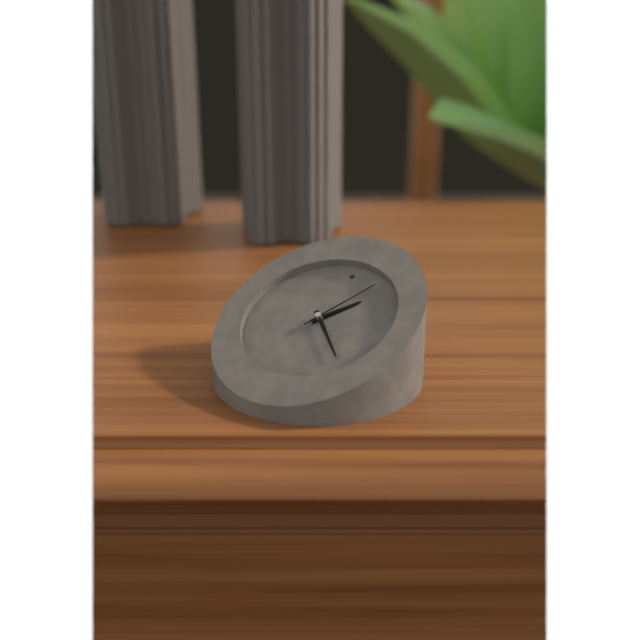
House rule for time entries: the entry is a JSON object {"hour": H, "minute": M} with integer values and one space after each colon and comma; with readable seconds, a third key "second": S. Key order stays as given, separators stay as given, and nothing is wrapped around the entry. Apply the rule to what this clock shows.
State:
{"hour": 1, "minute": 22, "second": 5}
